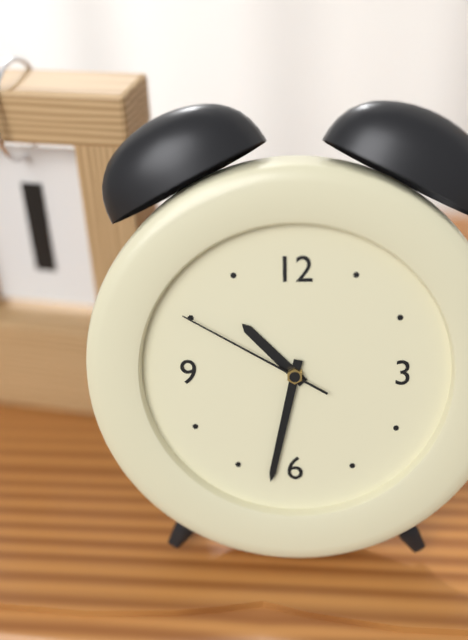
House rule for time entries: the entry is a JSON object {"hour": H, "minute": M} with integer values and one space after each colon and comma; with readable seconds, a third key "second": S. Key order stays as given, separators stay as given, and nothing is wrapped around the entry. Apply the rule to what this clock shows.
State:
{"hour": 10, "minute": 32, "second": 50}
